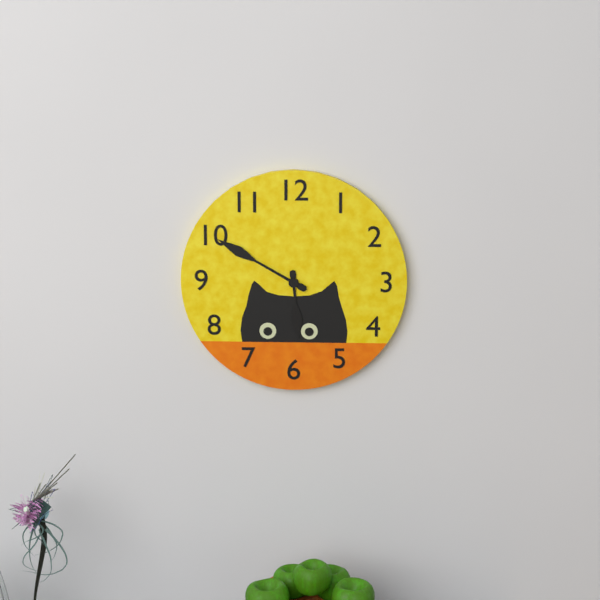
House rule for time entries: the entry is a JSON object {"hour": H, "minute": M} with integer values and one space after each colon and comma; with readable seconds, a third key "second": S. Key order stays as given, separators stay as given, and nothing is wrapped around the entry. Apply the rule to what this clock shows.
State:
{"hour": 5, "minute": 50}
